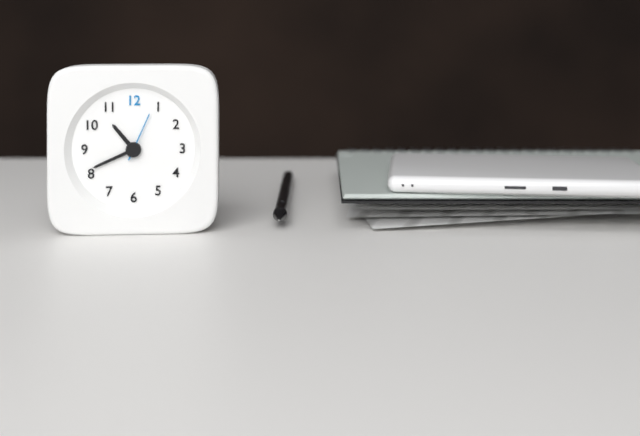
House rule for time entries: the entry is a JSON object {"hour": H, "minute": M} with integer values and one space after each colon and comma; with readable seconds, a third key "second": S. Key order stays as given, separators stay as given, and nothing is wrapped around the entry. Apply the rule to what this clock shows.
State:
{"hour": 10, "minute": 41, "second": 4}
